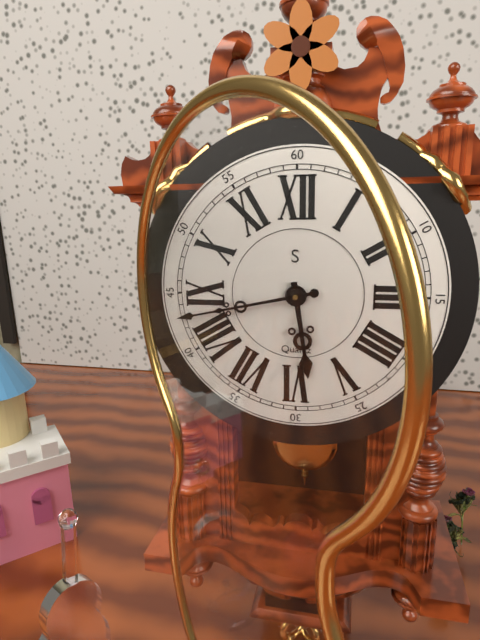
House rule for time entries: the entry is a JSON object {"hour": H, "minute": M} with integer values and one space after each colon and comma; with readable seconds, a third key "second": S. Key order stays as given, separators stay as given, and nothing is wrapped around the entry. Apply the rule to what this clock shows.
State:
{"hour": 5, "minute": 43}
